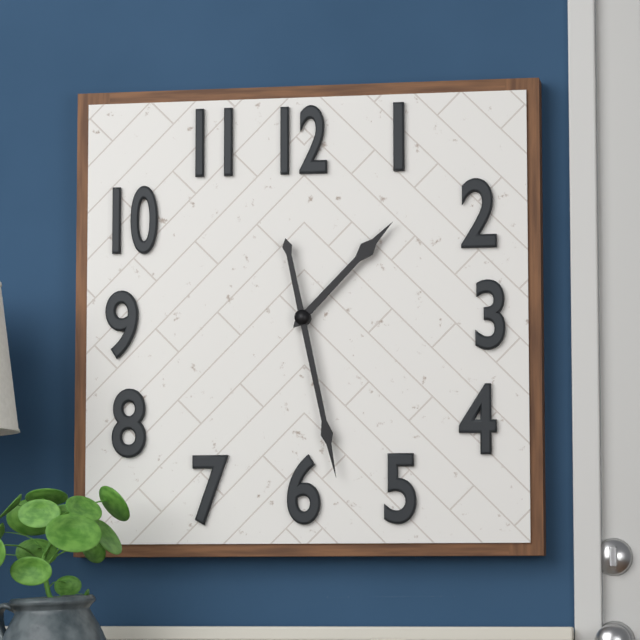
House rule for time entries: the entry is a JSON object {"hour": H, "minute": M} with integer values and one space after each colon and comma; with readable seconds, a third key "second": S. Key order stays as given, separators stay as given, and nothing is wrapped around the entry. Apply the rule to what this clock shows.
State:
{"hour": 1, "minute": 28}
